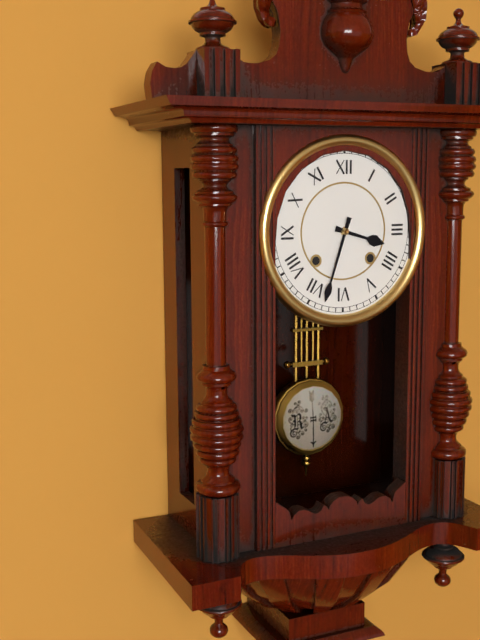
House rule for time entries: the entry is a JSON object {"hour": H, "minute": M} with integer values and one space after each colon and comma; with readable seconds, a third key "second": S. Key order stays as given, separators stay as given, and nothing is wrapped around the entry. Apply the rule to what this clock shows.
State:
{"hour": 3, "minute": 33}
